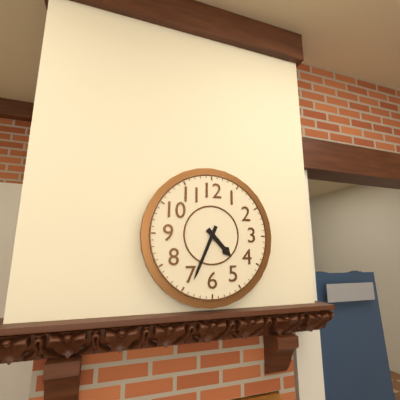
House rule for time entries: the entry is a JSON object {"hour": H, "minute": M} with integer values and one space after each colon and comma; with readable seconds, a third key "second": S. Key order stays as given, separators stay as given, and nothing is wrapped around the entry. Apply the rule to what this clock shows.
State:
{"hour": 4, "minute": 34}
